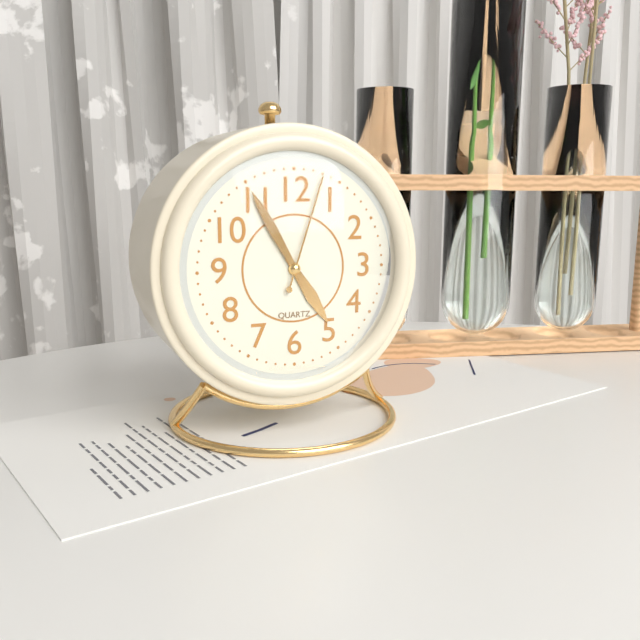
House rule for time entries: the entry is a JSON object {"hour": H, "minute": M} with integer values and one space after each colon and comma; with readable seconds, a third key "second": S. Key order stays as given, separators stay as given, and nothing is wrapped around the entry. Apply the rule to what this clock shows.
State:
{"hour": 4, "minute": 55, "second": 3}
